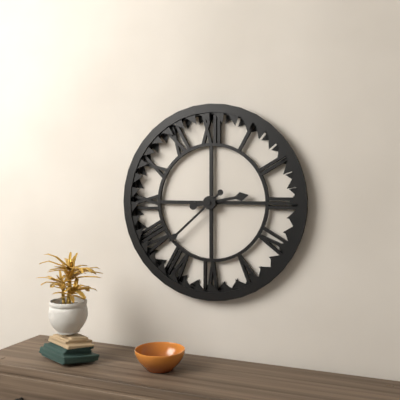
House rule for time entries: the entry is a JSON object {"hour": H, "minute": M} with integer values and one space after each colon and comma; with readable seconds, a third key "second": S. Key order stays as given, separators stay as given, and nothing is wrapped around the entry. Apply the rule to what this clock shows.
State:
{"hour": 2, "minute": 38}
